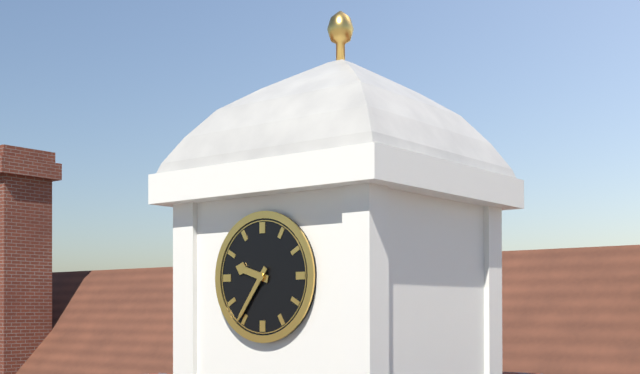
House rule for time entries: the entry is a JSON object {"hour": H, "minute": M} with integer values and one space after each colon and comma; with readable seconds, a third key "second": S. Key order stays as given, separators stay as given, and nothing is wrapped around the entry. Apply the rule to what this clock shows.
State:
{"hour": 9, "minute": 36}
